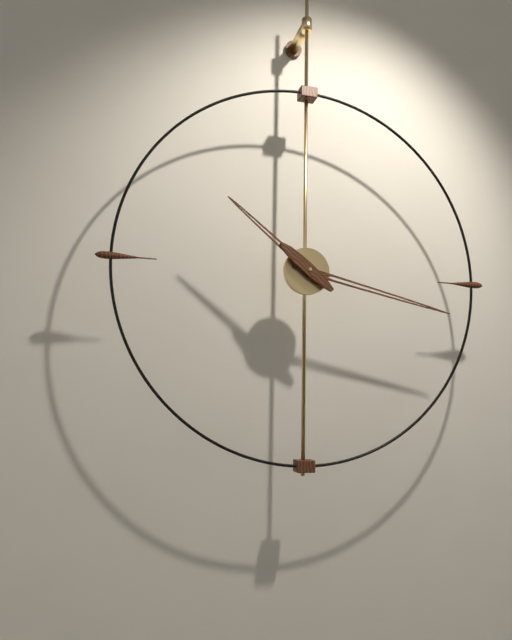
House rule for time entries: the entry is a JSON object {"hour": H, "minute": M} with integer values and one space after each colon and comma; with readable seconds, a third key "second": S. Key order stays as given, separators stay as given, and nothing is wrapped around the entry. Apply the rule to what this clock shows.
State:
{"hour": 10, "minute": 17}
